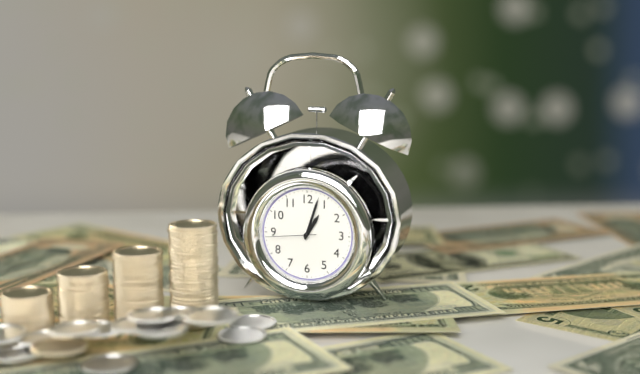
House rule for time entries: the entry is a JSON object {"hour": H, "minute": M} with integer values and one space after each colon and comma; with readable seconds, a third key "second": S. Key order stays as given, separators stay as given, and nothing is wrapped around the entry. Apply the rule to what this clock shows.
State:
{"hour": 1, "minute": 3, "second": 44}
